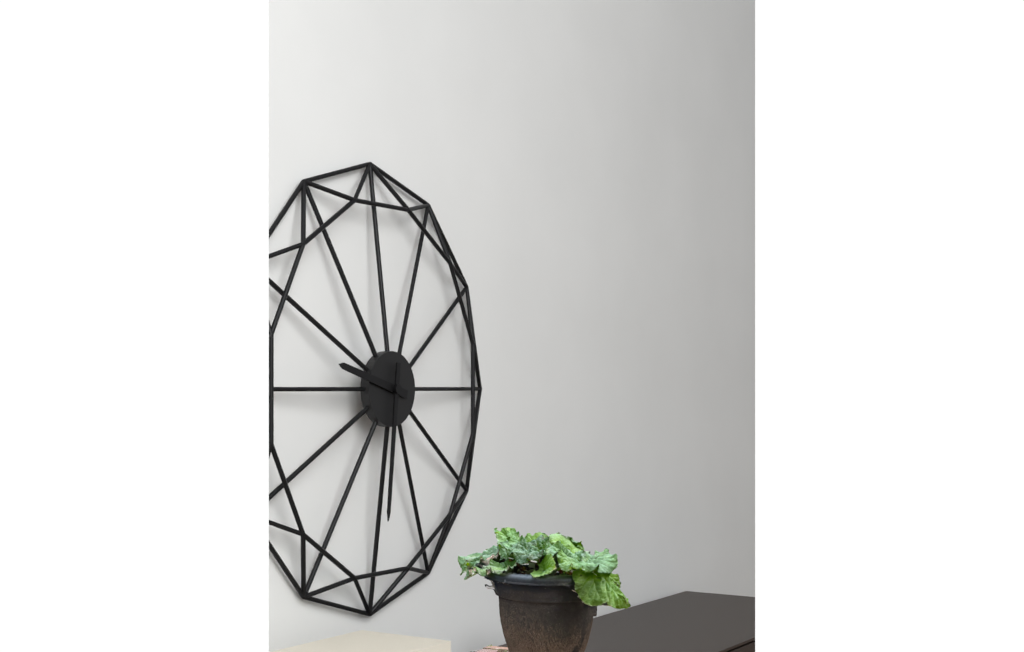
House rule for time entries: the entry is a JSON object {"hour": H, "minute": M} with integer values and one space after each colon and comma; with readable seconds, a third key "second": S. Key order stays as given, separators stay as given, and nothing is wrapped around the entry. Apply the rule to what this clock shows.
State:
{"hour": 9, "minute": 31}
